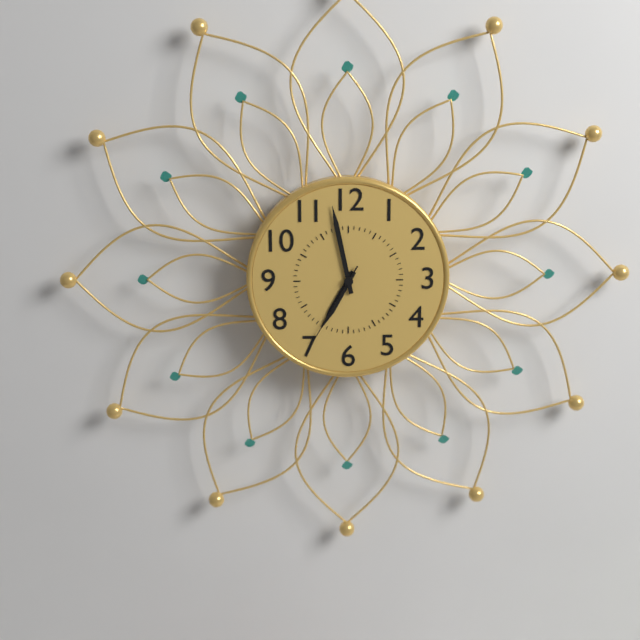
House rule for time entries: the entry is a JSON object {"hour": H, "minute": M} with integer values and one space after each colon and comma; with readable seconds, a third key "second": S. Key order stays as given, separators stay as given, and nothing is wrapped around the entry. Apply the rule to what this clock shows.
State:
{"hour": 6, "minute": 58, "second": 35}
